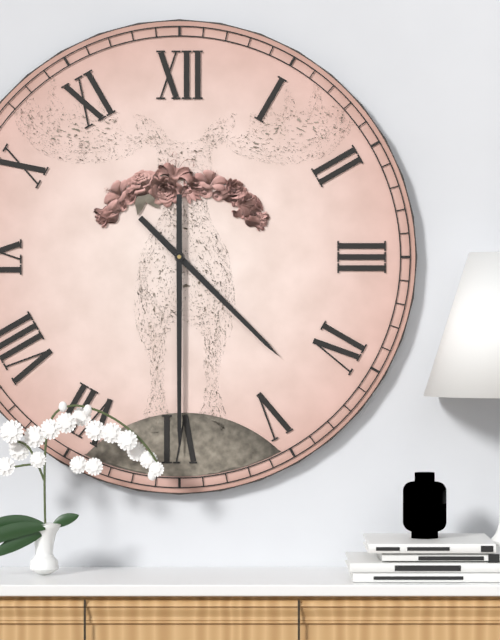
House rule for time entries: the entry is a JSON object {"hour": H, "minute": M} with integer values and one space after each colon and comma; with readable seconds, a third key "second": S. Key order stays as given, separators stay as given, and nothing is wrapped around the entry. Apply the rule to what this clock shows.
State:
{"hour": 4, "minute": 30}
